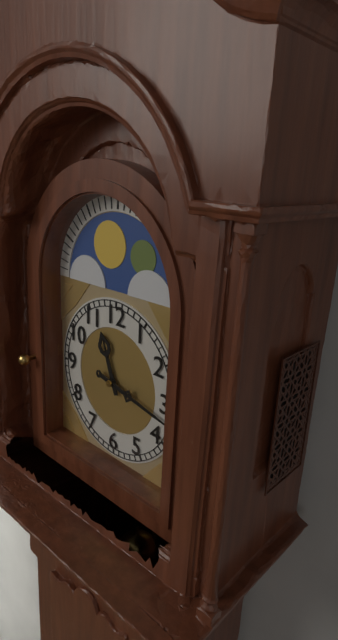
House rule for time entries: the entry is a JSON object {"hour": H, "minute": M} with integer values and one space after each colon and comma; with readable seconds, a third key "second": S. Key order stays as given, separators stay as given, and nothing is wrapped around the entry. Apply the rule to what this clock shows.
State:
{"hour": 11, "minute": 17}
